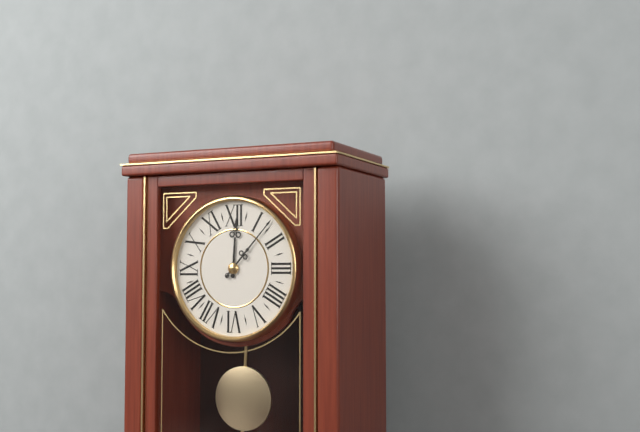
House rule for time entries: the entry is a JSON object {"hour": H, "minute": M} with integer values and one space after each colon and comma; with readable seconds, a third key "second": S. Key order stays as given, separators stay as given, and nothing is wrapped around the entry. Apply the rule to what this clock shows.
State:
{"hour": 12, "minute": 7}
